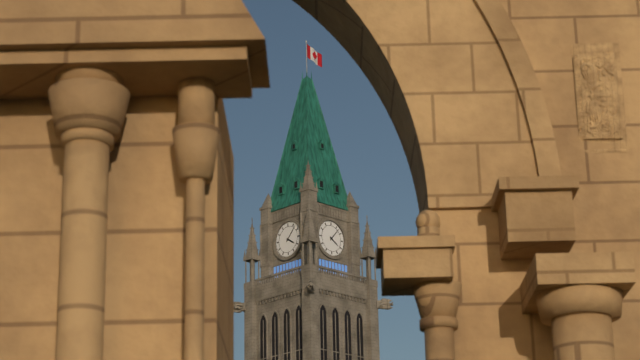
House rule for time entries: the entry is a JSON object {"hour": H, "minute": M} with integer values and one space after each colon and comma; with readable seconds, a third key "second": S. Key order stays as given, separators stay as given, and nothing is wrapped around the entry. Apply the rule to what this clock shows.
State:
{"hour": 4, "minute": 7}
